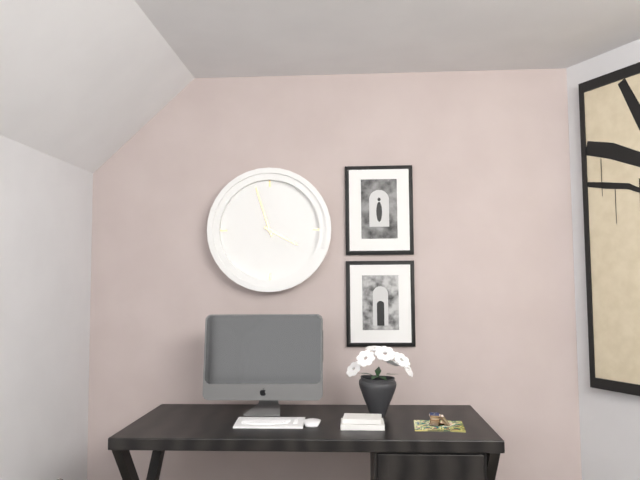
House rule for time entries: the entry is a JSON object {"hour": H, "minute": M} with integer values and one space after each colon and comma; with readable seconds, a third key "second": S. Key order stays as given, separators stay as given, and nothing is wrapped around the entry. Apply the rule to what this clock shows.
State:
{"hour": 3, "minute": 57}
